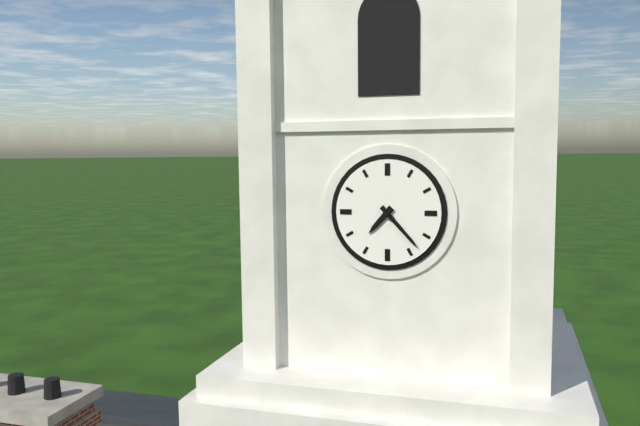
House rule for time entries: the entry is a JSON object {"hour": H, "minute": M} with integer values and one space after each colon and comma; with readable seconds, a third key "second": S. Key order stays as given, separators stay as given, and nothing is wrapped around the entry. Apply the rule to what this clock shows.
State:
{"hour": 7, "minute": 23}
